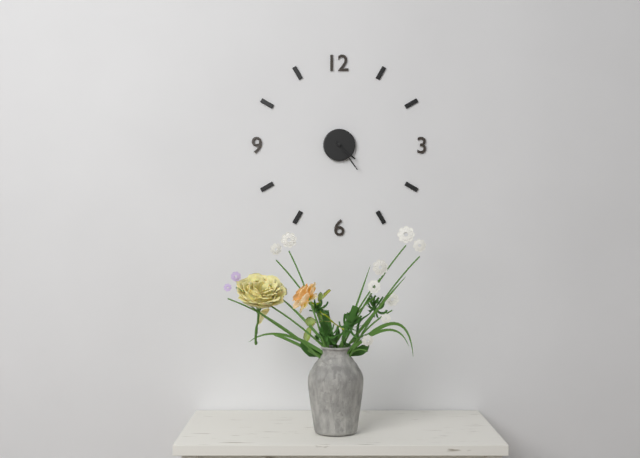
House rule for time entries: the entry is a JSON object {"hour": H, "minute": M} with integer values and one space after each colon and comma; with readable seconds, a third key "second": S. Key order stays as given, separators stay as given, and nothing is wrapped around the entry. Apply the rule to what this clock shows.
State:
{"hour": 4, "minute": 24}
